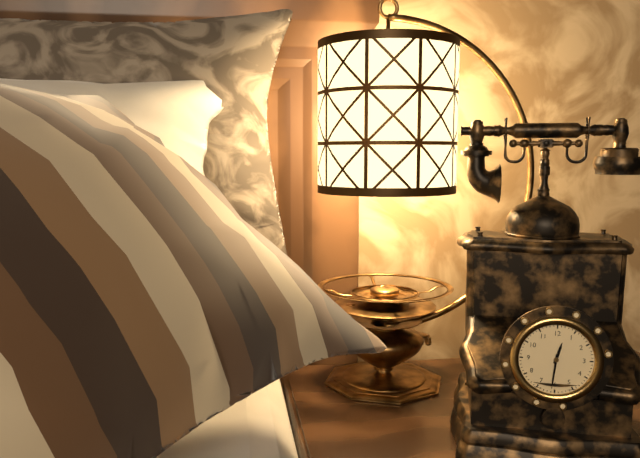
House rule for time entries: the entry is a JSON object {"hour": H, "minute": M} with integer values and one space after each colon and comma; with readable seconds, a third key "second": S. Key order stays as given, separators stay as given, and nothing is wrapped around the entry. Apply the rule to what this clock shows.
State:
{"hour": 12, "minute": 31}
